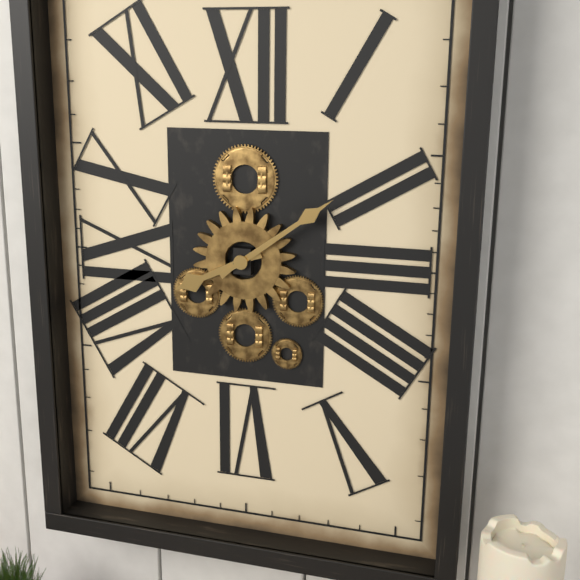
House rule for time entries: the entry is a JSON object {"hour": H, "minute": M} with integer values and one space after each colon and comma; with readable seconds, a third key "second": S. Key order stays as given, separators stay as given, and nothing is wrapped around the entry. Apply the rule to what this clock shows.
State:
{"hour": 8, "minute": 9}
